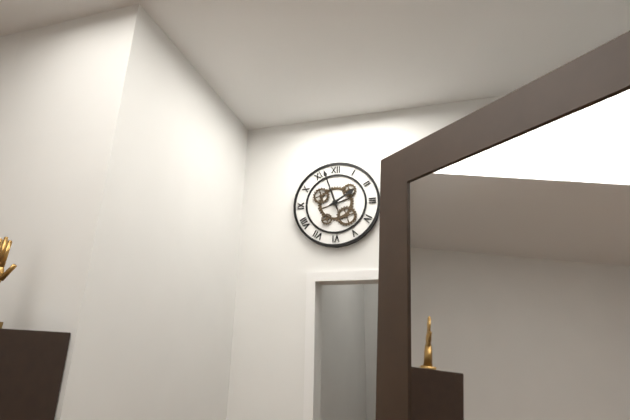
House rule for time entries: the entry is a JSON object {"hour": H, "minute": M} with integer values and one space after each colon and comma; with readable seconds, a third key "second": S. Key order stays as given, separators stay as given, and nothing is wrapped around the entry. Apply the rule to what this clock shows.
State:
{"hour": 1, "minute": 57}
